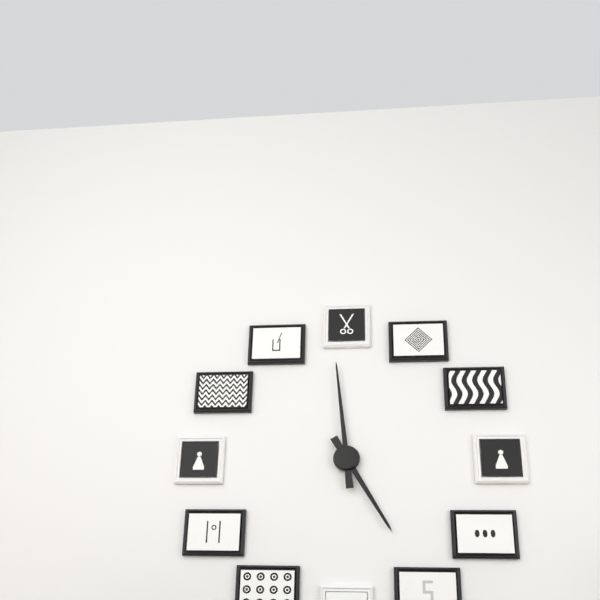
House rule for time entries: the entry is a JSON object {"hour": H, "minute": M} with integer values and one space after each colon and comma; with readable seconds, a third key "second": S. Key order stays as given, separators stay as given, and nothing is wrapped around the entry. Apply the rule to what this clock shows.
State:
{"hour": 4, "minute": 59}
